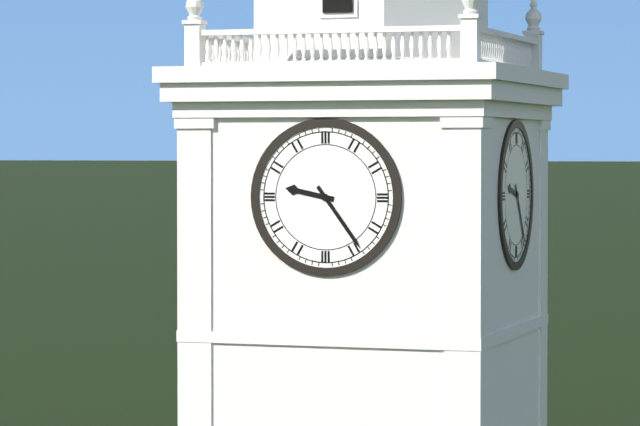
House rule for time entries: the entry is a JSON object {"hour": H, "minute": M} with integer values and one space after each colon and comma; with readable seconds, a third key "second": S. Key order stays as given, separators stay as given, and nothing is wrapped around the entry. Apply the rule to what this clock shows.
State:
{"hour": 9, "minute": 24}
